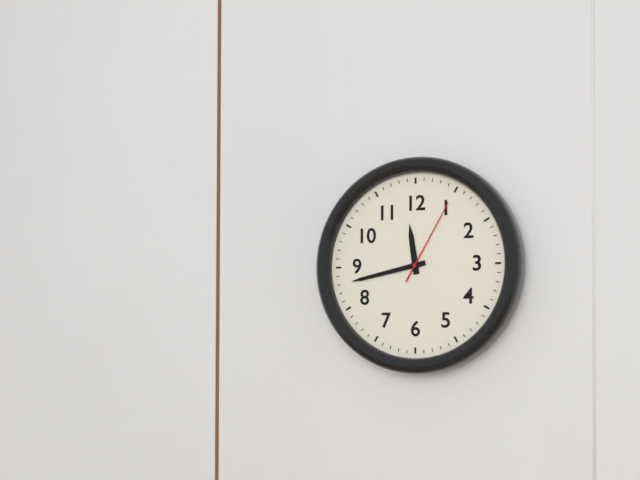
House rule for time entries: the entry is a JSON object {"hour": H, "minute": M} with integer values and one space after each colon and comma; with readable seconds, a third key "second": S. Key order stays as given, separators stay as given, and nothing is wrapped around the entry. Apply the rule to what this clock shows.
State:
{"hour": 11, "minute": 43, "second": 5}
